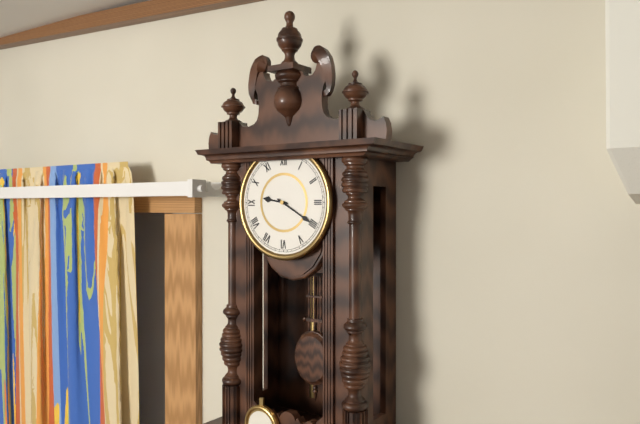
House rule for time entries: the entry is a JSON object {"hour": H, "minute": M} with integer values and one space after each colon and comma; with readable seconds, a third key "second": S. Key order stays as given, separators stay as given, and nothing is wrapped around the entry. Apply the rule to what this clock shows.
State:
{"hour": 9, "minute": 20}
